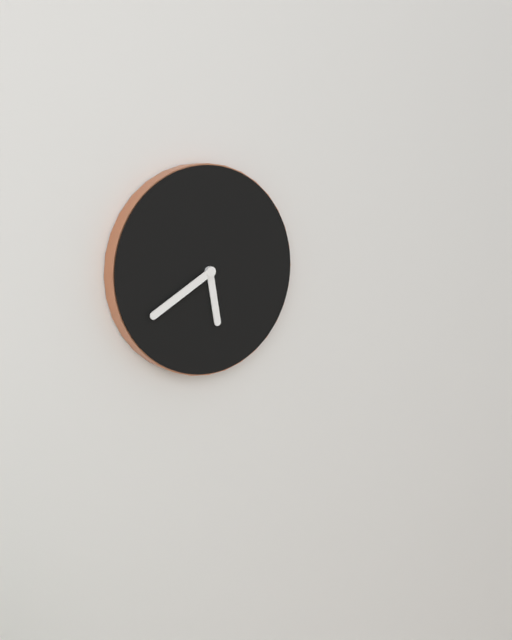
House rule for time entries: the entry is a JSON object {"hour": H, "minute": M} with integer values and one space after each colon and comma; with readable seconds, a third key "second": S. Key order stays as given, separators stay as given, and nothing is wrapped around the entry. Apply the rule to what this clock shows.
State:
{"hour": 5, "minute": 40}
